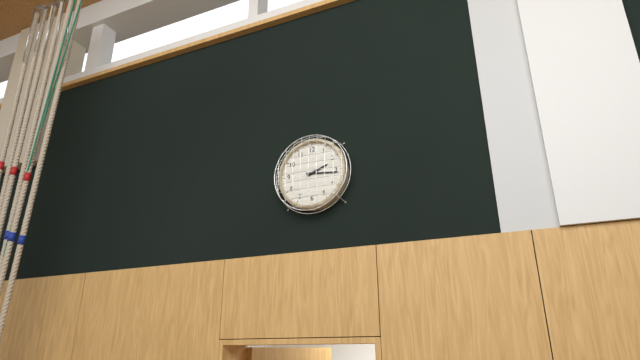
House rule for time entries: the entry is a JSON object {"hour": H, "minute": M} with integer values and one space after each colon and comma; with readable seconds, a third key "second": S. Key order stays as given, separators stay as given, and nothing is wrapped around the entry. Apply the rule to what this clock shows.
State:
{"hour": 2, "minute": 16}
